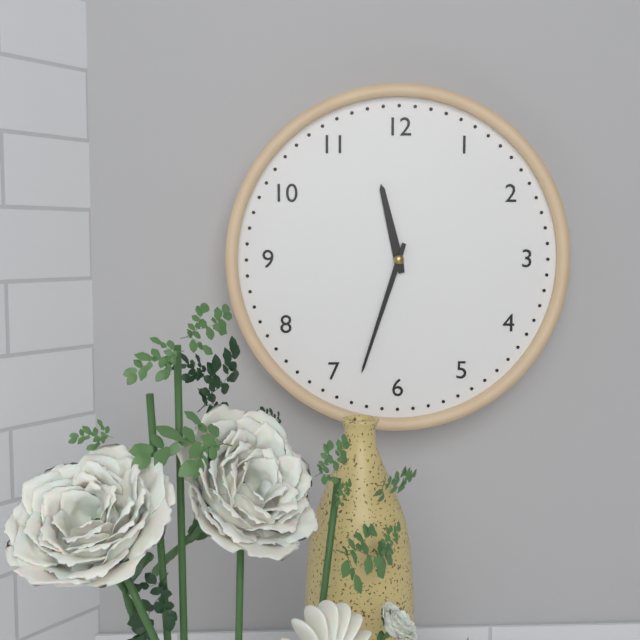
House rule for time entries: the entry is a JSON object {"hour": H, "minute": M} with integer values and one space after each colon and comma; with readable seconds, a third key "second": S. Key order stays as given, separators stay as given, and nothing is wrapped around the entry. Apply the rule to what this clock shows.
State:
{"hour": 11, "minute": 33}
